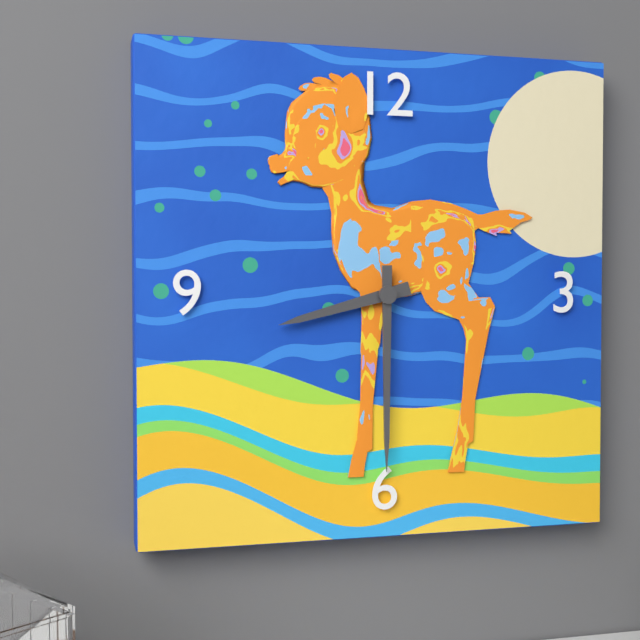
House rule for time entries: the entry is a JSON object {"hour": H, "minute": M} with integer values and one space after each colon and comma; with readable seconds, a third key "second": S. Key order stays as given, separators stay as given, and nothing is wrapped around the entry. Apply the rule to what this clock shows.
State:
{"hour": 8, "minute": 30}
